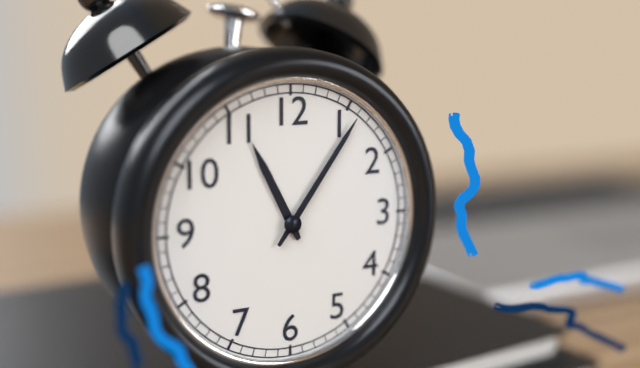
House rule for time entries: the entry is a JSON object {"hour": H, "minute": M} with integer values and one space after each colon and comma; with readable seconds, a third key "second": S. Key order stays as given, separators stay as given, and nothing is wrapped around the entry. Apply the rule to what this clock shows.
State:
{"hour": 11, "minute": 6}
